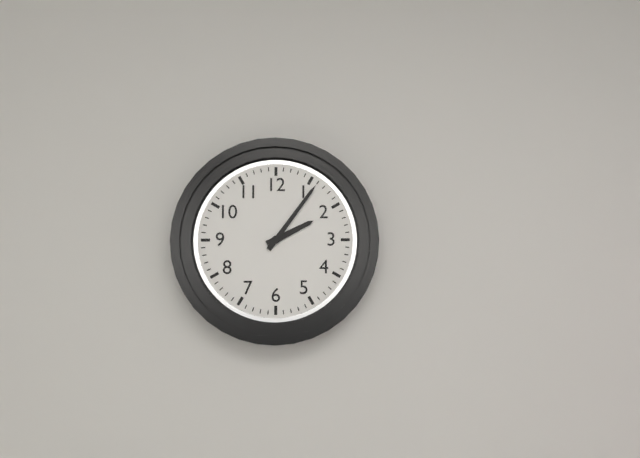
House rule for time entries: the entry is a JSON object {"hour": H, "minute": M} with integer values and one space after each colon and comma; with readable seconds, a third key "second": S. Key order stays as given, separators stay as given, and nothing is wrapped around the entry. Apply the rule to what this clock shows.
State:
{"hour": 2, "minute": 6}
